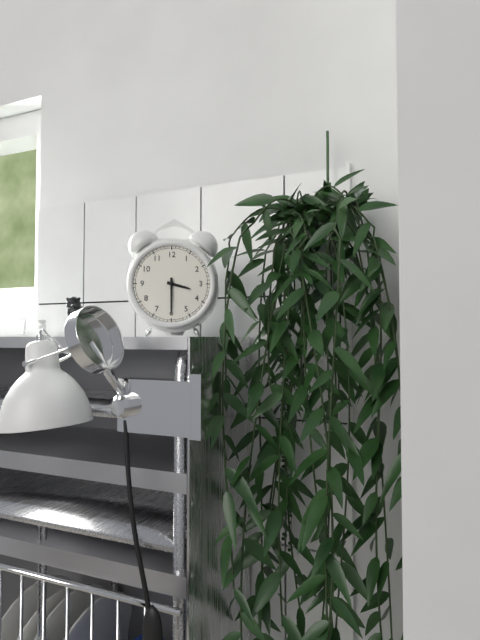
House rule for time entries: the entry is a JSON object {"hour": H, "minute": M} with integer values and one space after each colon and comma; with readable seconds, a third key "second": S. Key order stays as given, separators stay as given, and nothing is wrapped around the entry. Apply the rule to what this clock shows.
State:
{"hour": 3, "minute": 30}
